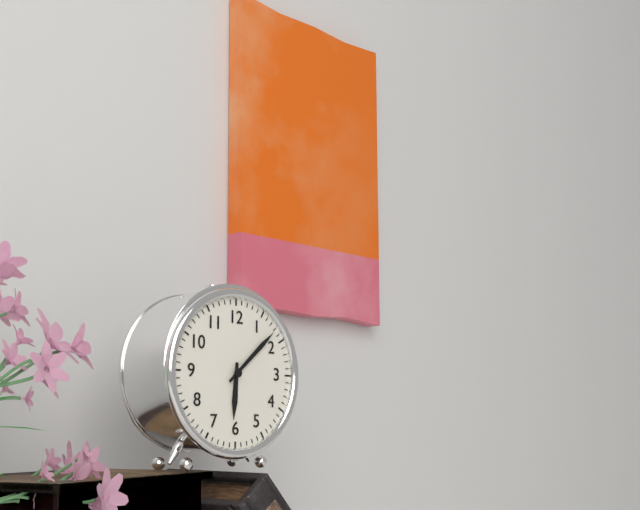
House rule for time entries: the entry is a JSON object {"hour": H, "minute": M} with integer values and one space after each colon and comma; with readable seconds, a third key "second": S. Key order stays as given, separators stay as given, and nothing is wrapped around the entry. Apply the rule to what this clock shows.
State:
{"hour": 6, "minute": 8}
